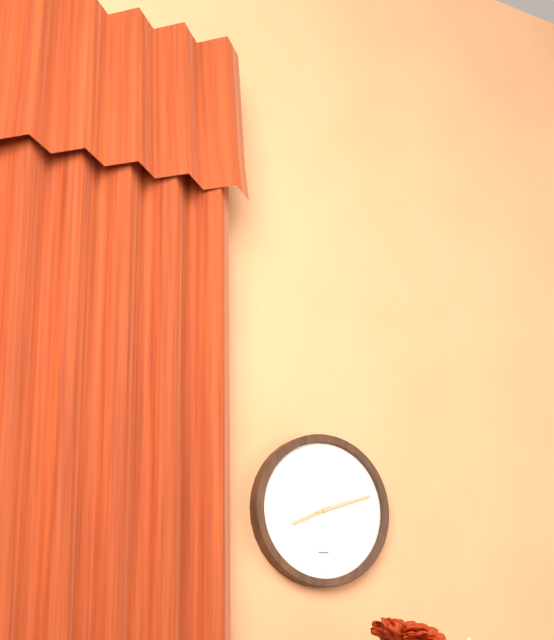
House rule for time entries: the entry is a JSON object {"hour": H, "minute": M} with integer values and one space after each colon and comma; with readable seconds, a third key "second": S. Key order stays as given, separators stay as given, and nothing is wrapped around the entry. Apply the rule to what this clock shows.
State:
{"hour": 8, "minute": 12}
